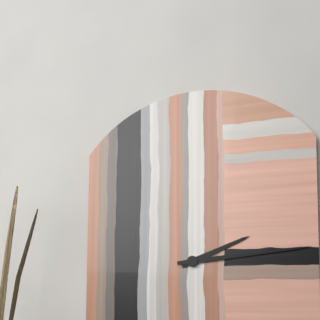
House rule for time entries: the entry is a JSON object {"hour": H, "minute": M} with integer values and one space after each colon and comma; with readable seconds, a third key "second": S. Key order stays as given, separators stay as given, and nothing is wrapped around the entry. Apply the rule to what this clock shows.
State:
{"hour": 2, "minute": 14}
